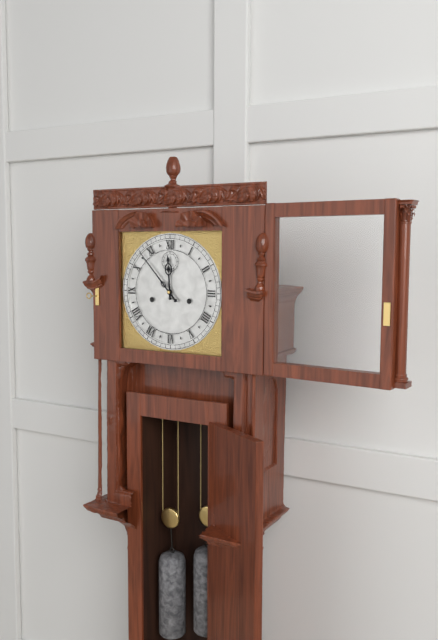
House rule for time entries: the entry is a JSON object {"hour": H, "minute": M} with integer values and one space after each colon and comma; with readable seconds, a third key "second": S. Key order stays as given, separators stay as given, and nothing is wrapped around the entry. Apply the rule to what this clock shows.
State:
{"hour": 11, "minute": 53}
